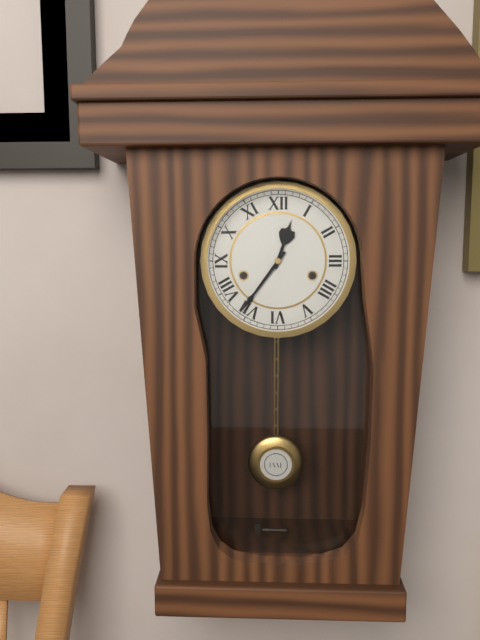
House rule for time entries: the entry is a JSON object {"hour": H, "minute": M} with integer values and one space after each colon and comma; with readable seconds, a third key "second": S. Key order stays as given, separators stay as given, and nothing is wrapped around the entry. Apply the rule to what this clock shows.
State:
{"hour": 12, "minute": 36}
